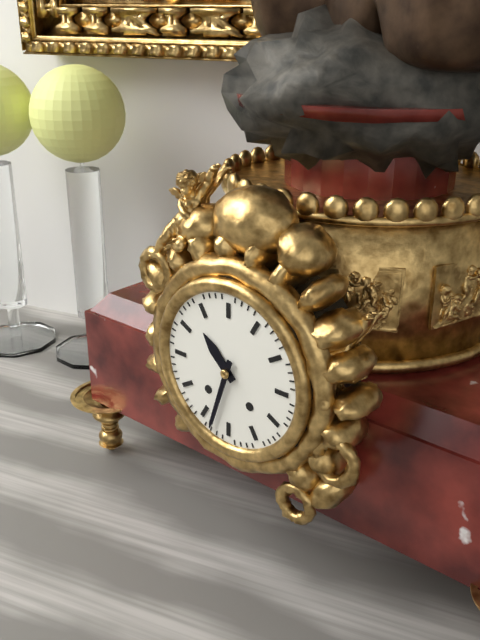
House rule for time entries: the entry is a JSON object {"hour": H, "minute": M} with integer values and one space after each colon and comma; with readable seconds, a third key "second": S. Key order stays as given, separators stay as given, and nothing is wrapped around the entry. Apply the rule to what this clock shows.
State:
{"hour": 10, "minute": 33}
